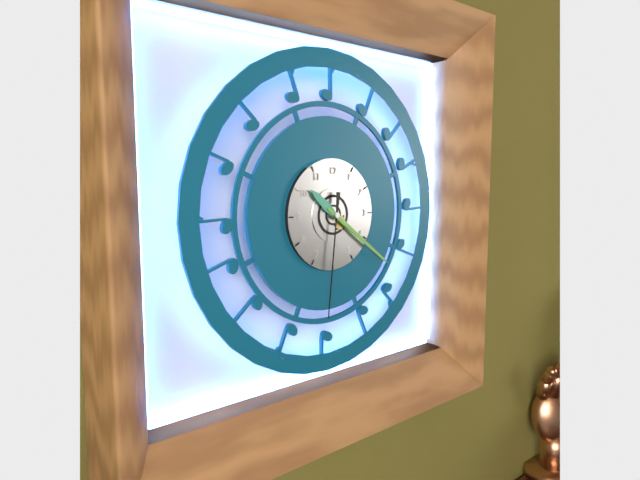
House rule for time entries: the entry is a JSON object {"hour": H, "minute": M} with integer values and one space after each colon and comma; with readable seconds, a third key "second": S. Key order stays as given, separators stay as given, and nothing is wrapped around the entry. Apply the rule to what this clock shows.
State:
{"hour": 10, "minute": 21, "second": 31}
